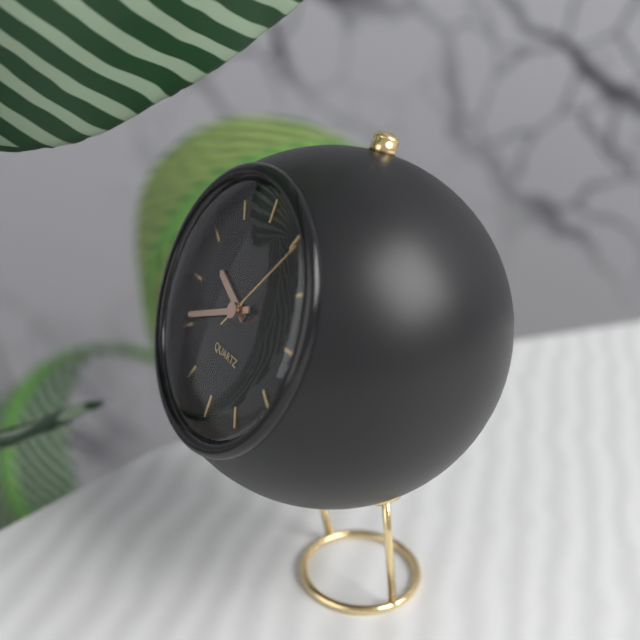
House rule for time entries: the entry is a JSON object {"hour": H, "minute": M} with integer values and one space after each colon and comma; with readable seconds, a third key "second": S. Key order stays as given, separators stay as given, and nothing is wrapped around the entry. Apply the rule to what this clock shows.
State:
{"hour": 9, "minute": 41, "second": 6}
